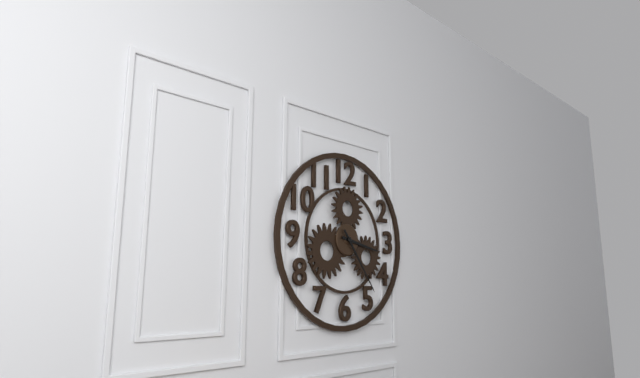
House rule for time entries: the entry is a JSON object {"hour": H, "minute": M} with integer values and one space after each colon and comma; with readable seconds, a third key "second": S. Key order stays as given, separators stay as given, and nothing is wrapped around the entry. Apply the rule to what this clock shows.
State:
{"hour": 3, "minute": 24}
